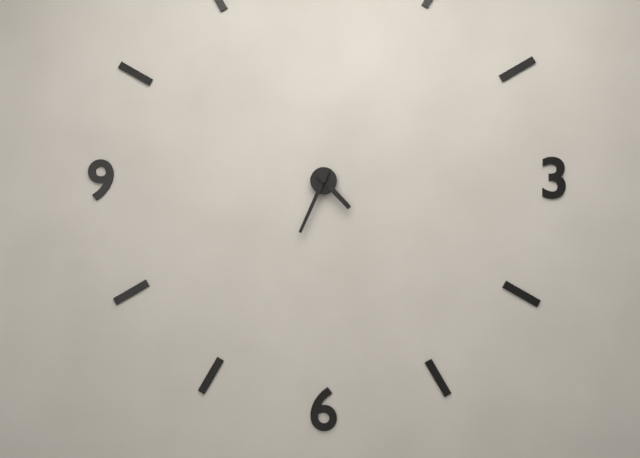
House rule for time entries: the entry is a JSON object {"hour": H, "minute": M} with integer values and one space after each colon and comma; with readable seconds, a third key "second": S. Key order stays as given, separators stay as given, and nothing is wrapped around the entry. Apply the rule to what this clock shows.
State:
{"hour": 4, "minute": 34}
